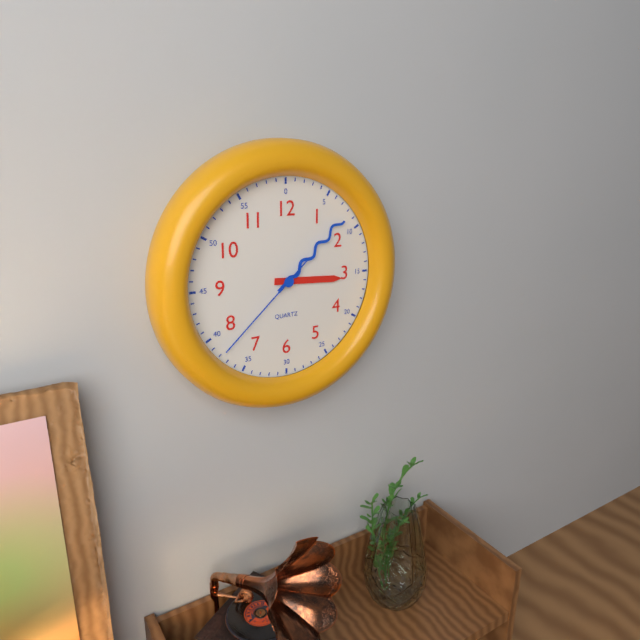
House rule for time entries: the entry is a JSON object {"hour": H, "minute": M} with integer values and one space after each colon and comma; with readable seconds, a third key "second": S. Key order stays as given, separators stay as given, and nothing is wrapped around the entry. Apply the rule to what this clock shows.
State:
{"hour": 3, "minute": 8, "second": 38}
